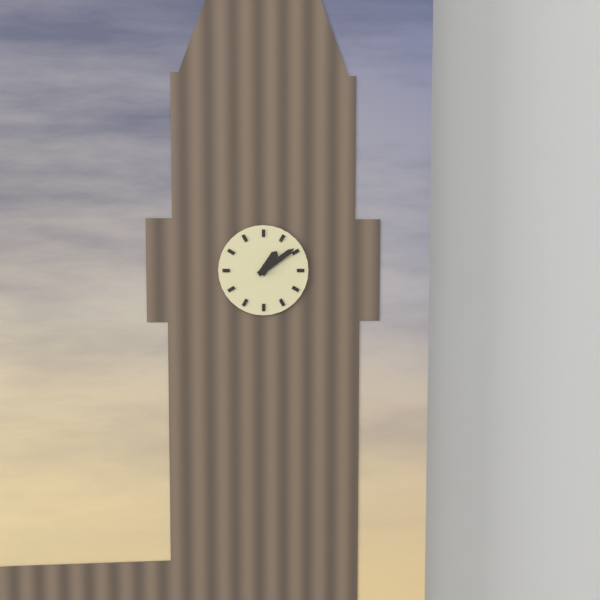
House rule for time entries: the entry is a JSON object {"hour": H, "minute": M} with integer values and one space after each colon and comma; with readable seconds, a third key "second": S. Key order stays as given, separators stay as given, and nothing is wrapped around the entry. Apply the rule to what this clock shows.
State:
{"hour": 1, "minute": 9}
